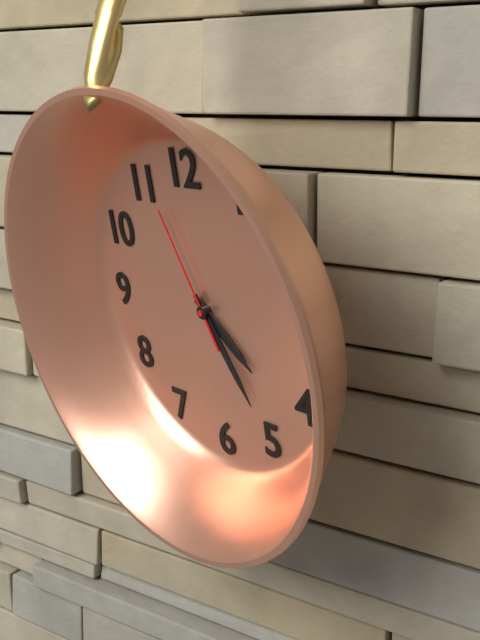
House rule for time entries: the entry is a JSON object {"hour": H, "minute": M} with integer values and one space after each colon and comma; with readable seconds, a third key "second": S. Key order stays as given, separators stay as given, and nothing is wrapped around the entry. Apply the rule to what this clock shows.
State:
{"hour": 4, "minute": 25, "second": 56}
